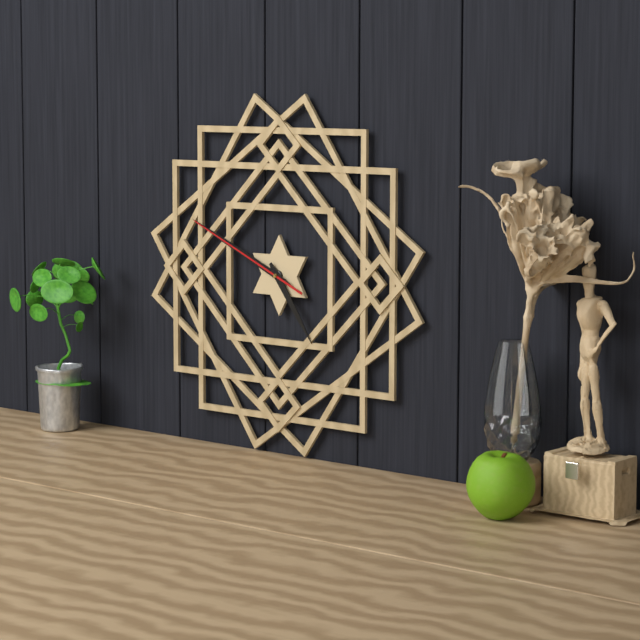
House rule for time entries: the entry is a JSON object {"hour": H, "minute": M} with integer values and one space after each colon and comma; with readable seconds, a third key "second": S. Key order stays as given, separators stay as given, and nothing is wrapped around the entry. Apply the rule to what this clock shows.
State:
{"hour": 4, "minute": 49, "second": 49}
